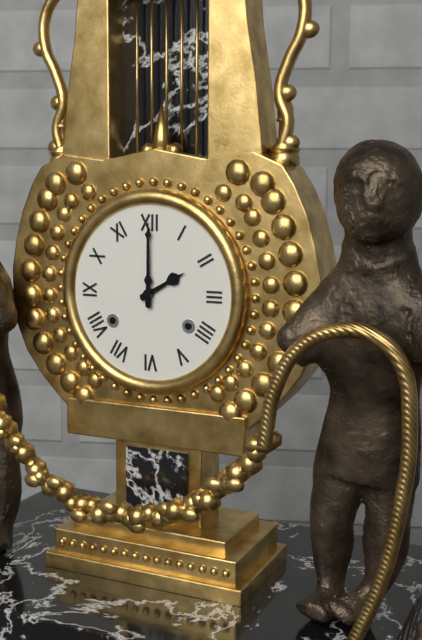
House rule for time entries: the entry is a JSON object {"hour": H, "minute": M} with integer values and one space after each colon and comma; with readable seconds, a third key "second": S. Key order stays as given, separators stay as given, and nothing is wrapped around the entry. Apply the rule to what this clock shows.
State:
{"hour": 2, "minute": 0}
